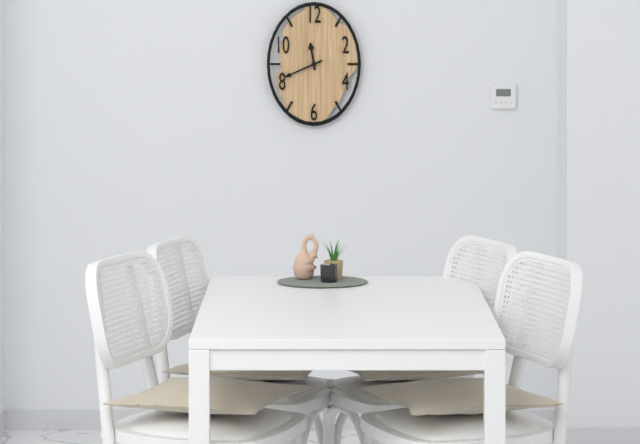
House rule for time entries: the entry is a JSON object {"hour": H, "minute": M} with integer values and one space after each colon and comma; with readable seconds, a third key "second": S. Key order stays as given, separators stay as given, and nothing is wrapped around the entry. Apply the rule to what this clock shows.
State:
{"hour": 11, "minute": 41}
